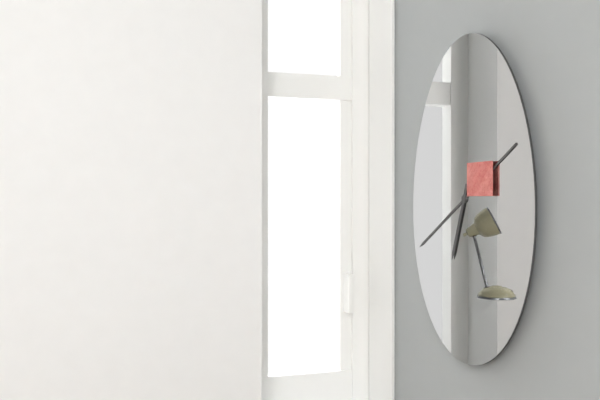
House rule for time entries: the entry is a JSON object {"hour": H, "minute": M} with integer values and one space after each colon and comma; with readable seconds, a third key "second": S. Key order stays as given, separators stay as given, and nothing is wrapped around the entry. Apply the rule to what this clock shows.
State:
{"hour": 6, "minute": 40}
